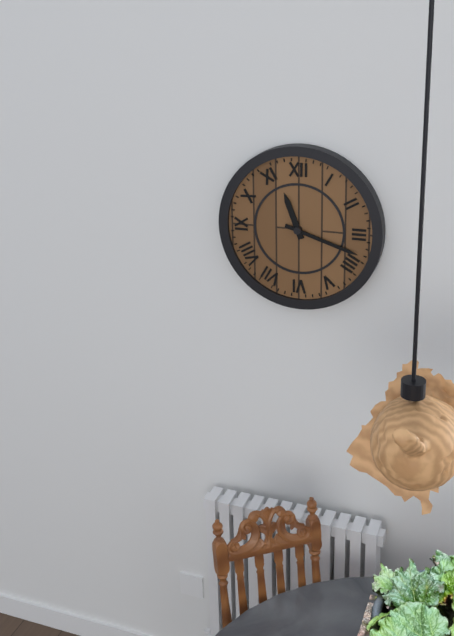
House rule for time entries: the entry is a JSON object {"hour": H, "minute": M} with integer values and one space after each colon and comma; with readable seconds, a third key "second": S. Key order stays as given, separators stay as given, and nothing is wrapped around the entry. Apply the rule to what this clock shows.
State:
{"hour": 11, "minute": 18}
